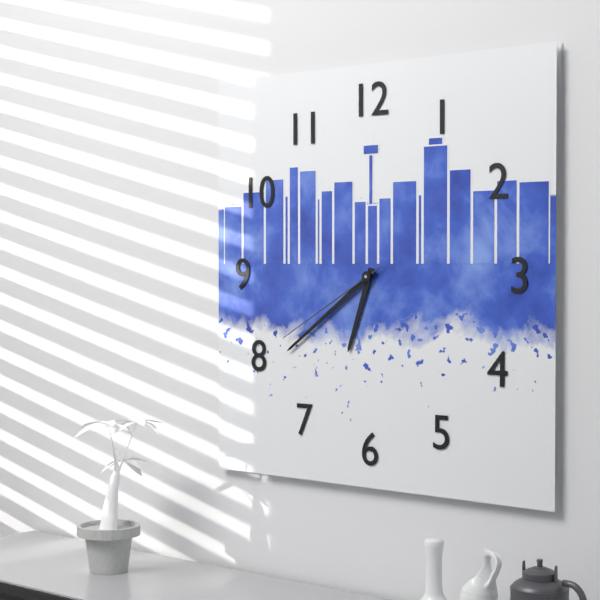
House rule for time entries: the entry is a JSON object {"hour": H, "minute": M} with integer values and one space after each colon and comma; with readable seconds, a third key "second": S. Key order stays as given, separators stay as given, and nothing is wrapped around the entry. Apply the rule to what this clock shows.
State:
{"hour": 6, "minute": 39, "second": 40}
